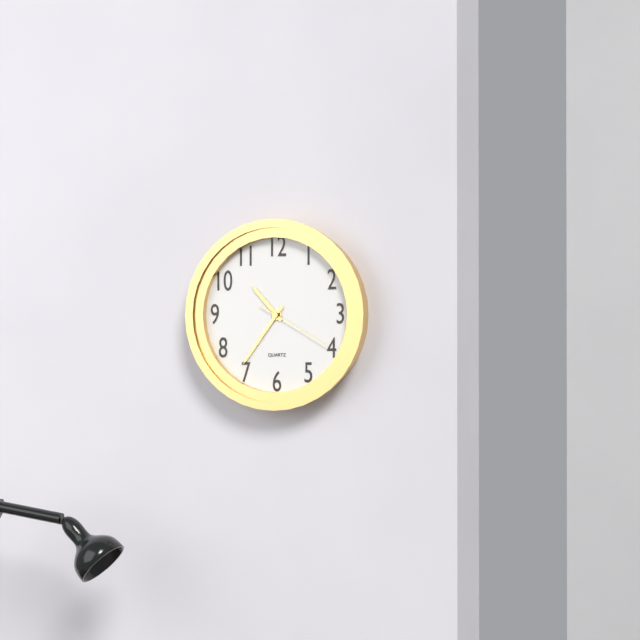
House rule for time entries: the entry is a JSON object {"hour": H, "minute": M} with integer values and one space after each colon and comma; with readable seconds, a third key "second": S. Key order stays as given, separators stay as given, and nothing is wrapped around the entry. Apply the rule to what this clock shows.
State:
{"hour": 10, "minute": 36, "second": 20}
